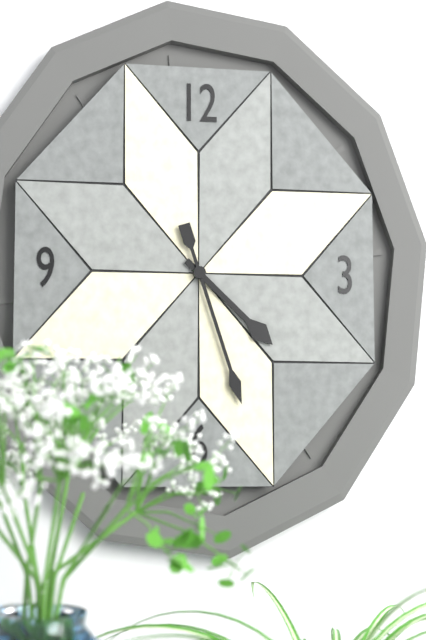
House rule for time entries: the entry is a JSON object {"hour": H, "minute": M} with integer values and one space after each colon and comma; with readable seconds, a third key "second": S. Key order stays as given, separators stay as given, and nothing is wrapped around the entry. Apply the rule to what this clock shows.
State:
{"hour": 4, "minute": 27}
